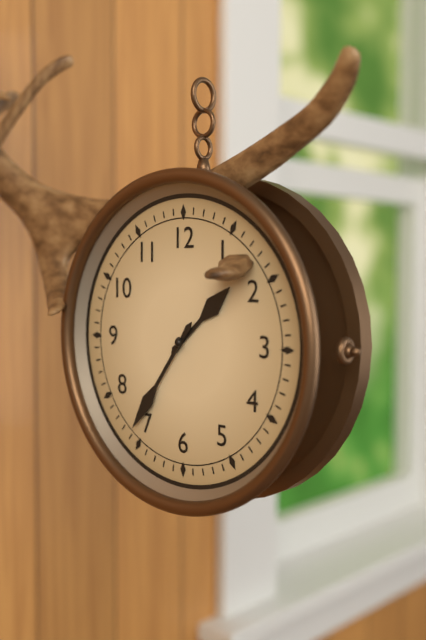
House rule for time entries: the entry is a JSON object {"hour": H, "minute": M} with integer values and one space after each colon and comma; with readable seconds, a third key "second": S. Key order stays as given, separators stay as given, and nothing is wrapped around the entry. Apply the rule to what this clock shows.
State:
{"hour": 1, "minute": 36}
